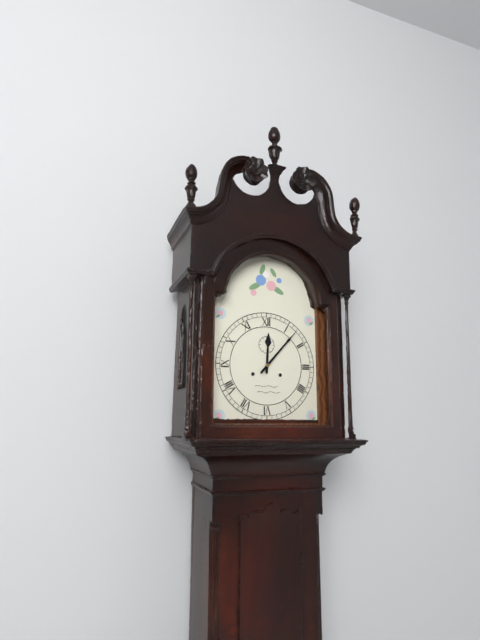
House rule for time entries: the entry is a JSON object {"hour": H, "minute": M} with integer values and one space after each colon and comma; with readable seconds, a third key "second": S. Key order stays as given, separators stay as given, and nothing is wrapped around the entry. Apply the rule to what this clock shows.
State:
{"hour": 12, "minute": 7}
